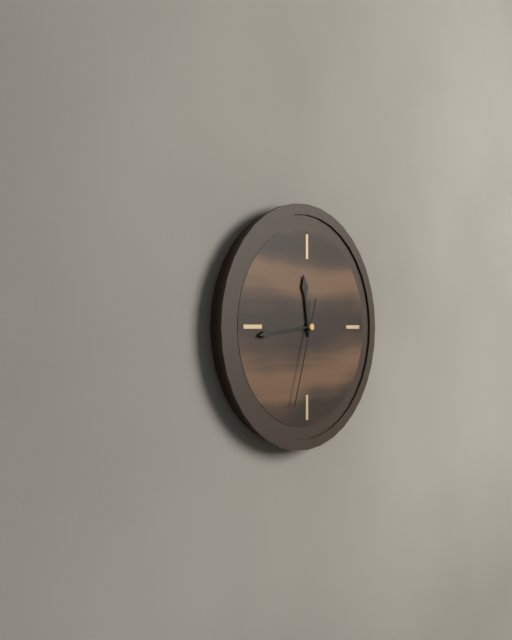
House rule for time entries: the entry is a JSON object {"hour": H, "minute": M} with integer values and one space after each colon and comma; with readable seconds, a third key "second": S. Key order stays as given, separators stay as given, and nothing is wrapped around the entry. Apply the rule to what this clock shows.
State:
{"hour": 11, "minute": 44, "second": 33}
